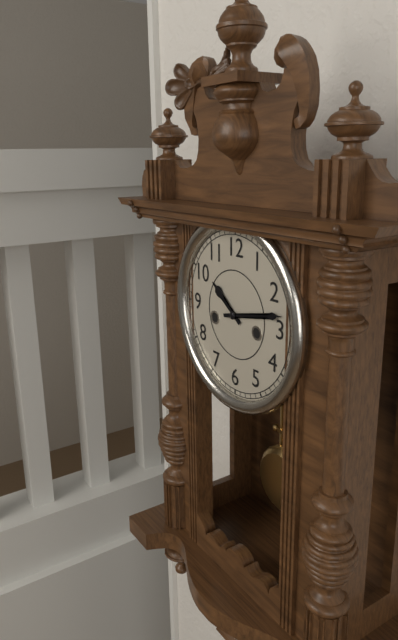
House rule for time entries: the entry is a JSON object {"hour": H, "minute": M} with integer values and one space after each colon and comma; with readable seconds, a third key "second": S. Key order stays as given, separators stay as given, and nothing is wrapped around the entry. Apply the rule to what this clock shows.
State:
{"hour": 10, "minute": 13}
